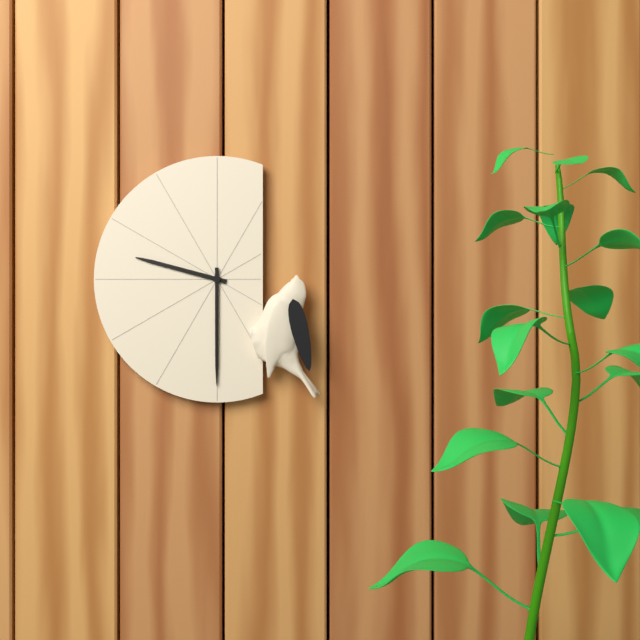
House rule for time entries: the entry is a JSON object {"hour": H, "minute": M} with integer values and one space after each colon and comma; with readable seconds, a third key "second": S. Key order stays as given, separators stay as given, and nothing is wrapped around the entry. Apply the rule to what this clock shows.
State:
{"hour": 9, "minute": 30}
